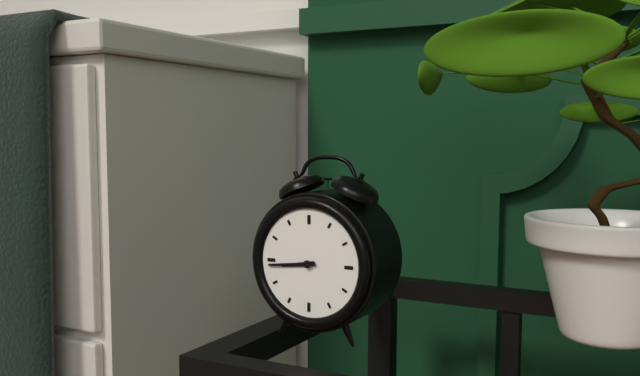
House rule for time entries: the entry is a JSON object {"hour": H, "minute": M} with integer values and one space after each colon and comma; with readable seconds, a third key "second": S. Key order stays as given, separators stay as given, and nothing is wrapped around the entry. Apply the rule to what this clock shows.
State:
{"hour": 8, "minute": 44}
